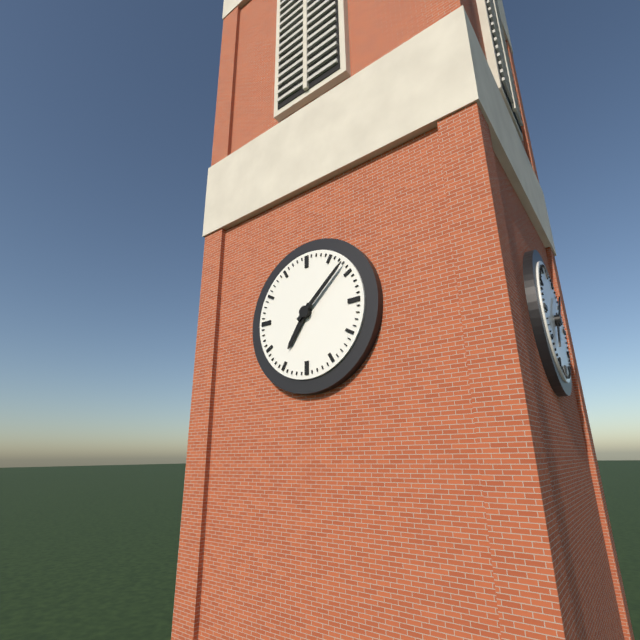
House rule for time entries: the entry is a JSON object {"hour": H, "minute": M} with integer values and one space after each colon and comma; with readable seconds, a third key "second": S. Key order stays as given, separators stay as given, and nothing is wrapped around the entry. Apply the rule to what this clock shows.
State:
{"hour": 7, "minute": 8}
